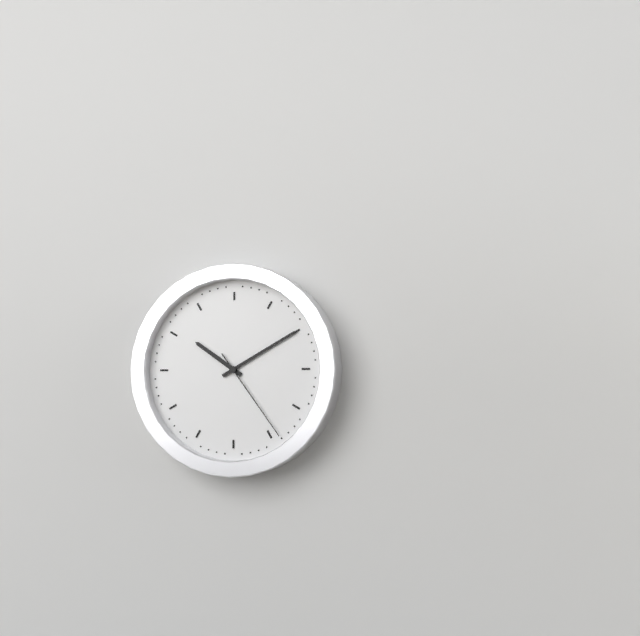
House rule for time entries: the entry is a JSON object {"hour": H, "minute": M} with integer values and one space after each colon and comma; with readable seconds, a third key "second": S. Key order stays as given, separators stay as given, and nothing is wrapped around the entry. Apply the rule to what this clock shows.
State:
{"hour": 10, "minute": 10, "second": 24}
